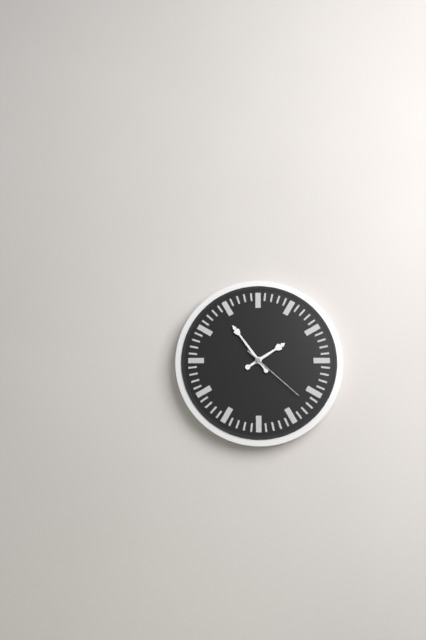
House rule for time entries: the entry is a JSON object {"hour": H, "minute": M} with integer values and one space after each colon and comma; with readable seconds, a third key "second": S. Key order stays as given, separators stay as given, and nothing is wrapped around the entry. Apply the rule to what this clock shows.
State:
{"hour": 1, "minute": 54, "second": 22}
